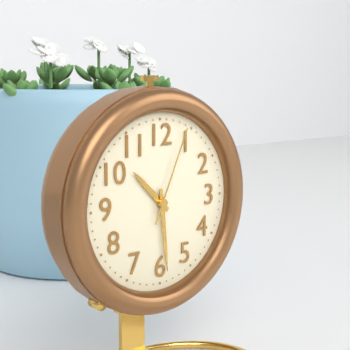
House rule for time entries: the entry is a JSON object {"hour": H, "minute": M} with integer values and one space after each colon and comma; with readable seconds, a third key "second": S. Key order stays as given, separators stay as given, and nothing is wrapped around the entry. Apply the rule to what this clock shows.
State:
{"hour": 10, "minute": 29, "second": 4}
